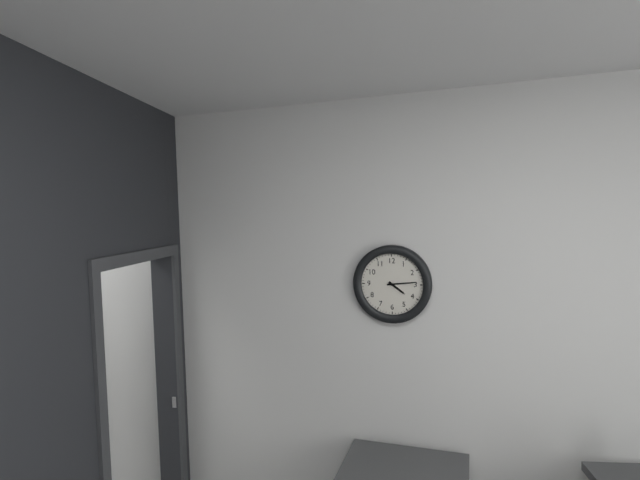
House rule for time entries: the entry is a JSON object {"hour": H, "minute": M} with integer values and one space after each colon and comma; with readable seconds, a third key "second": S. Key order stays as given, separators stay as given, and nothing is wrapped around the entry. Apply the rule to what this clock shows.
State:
{"hour": 4, "minute": 14}
